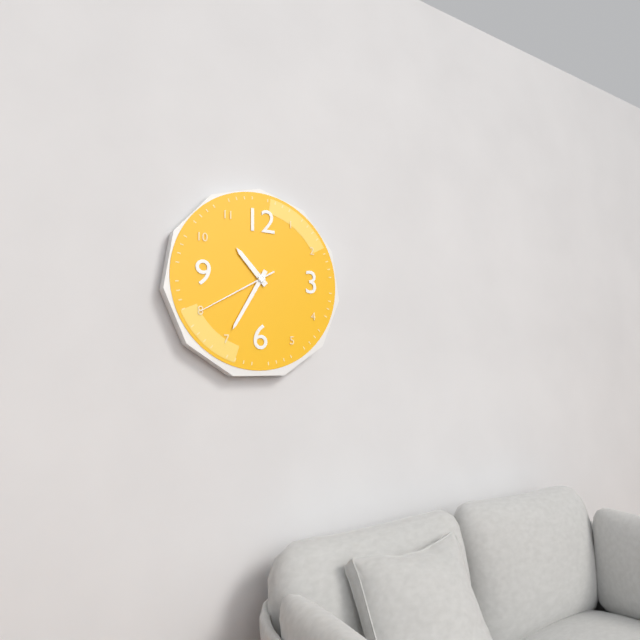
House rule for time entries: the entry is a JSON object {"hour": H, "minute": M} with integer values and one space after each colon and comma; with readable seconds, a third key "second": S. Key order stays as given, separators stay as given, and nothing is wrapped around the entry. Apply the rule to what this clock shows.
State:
{"hour": 10, "minute": 35, "second": 40}
